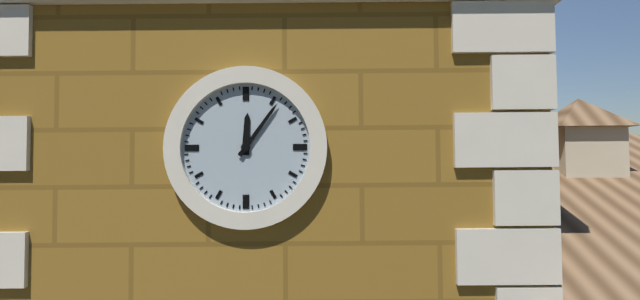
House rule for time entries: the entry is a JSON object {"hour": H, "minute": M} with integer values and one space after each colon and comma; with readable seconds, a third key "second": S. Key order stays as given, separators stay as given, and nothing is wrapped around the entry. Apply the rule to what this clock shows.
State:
{"hour": 12, "minute": 6}
